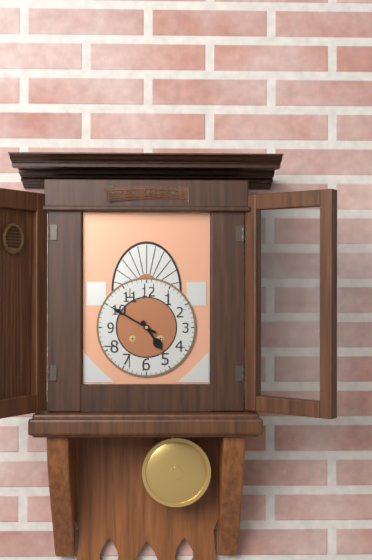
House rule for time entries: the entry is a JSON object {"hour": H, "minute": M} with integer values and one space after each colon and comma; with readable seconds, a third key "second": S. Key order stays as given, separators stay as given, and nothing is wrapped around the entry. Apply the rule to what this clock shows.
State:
{"hour": 4, "minute": 50}
